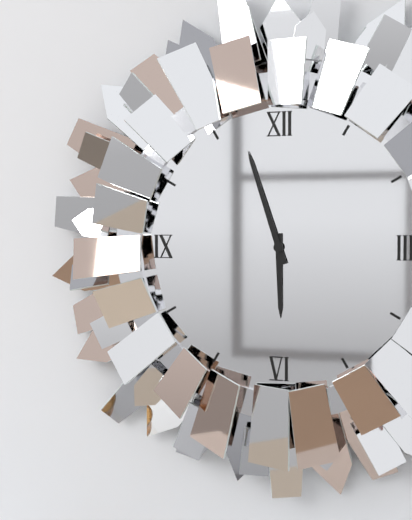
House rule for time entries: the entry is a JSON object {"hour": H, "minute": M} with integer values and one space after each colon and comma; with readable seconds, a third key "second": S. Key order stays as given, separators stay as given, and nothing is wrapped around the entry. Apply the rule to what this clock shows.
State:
{"hour": 5, "minute": 57}
